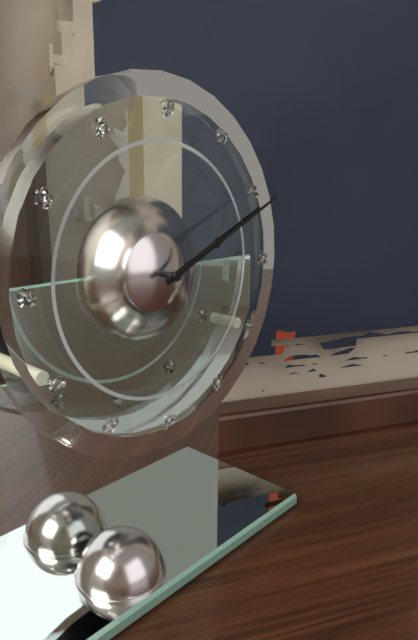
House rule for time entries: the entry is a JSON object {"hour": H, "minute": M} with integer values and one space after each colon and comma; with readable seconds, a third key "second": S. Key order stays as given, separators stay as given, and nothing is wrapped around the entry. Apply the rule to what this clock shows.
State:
{"hour": 2, "minute": 11}
